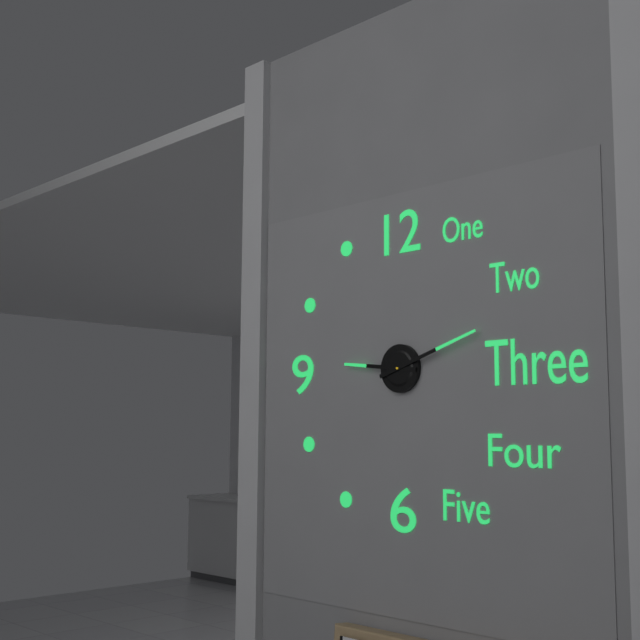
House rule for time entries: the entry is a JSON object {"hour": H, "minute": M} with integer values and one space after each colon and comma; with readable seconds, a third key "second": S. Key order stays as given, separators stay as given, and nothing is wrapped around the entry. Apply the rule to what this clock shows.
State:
{"hour": 9, "minute": 12}
